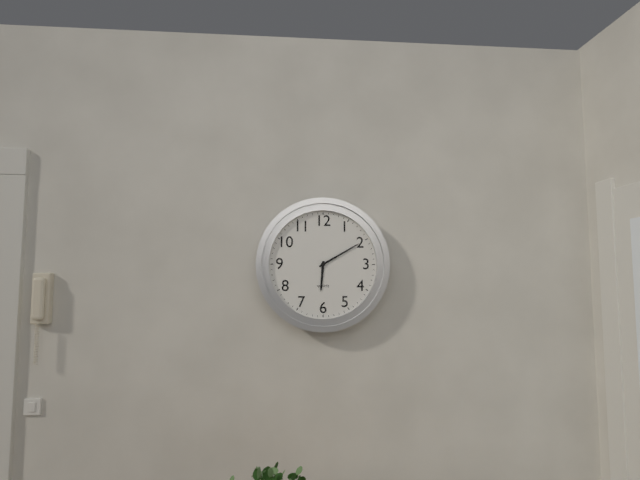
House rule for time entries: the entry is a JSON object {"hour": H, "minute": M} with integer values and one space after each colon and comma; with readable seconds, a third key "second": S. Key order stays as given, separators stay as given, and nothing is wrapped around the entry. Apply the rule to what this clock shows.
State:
{"hour": 6, "minute": 10}
